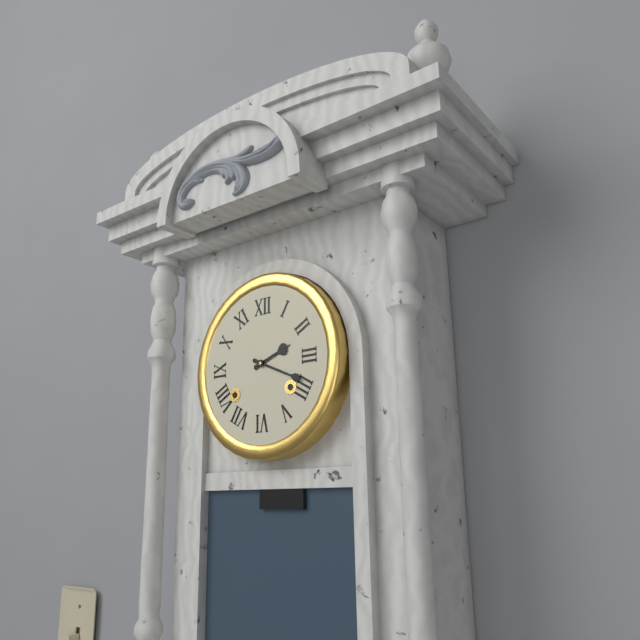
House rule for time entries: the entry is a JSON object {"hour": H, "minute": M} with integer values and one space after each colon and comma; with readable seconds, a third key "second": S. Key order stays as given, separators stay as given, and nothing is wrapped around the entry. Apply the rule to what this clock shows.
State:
{"hour": 2, "minute": 19}
